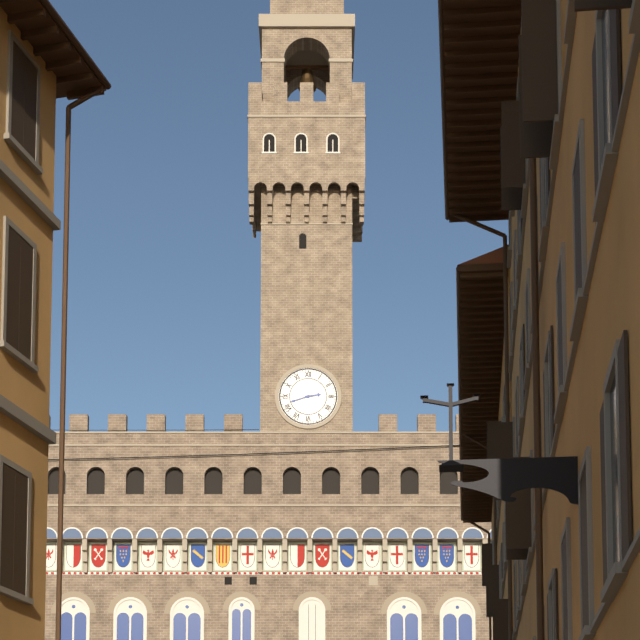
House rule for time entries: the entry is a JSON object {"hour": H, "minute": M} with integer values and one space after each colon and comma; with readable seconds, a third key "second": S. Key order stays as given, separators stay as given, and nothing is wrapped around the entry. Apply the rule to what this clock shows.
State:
{"hour": 2, "minute": 42}
